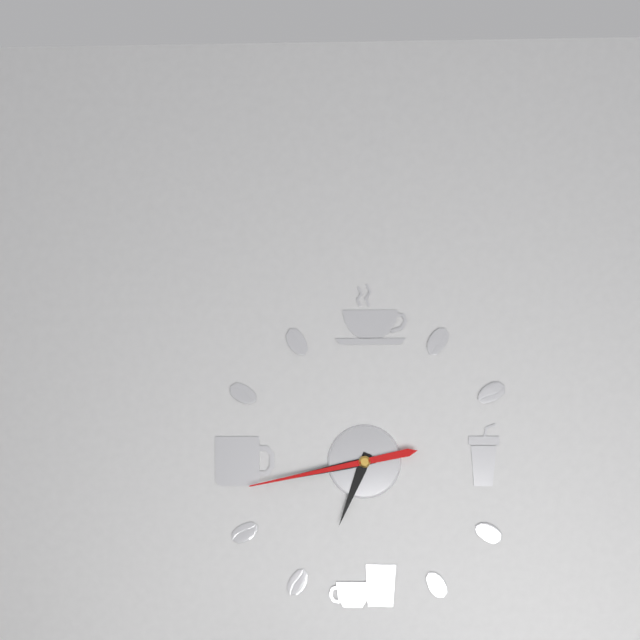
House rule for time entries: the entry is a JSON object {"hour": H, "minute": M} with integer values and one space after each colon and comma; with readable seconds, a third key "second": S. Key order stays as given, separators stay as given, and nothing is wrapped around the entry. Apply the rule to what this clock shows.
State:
{"hour": 6, "minute": 43, "second": 43}
